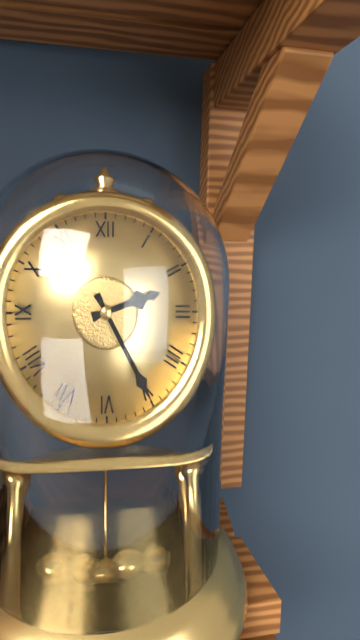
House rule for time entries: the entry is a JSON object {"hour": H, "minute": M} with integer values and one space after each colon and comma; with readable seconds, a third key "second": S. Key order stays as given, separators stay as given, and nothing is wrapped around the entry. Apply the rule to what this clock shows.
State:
{"hour": 2, "minute": 25}
